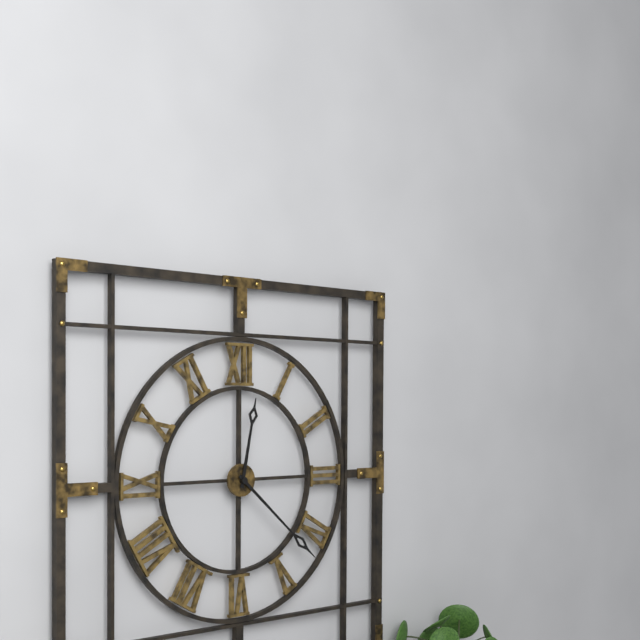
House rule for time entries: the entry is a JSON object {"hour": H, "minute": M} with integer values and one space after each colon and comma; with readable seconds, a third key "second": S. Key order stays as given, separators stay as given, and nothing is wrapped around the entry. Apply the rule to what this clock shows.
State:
{"hour": 12, "minute": 22}
